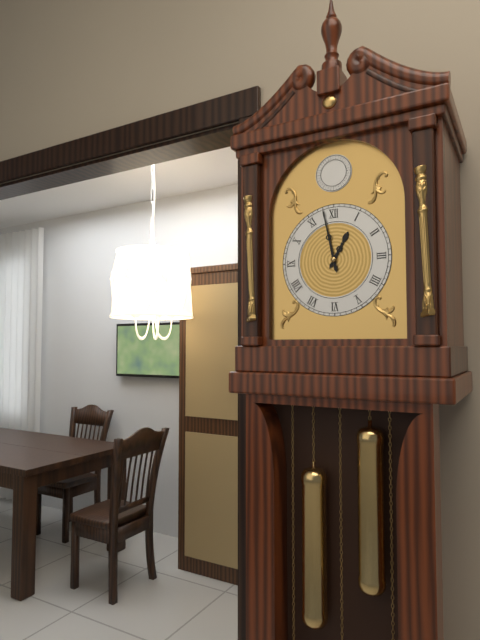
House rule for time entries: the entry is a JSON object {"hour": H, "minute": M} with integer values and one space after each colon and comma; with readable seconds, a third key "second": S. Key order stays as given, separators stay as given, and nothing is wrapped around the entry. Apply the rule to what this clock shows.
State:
{"hour": 12, "minute": 58}
